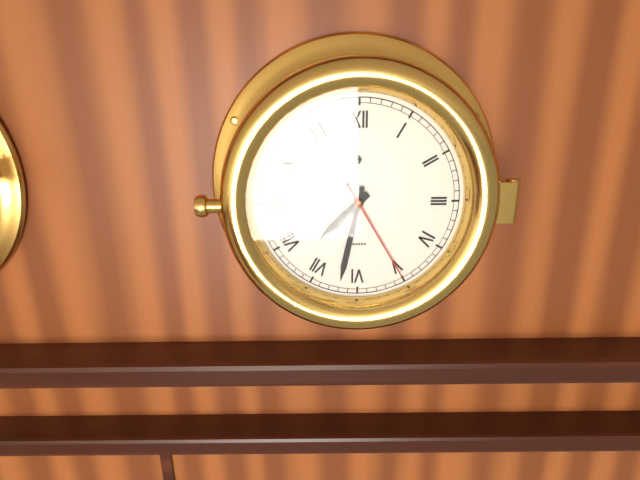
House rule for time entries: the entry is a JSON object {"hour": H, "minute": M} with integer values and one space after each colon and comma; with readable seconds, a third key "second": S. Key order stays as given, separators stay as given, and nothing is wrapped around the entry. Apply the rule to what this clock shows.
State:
{"hour": 7, "minute": 32, "second": 25}
